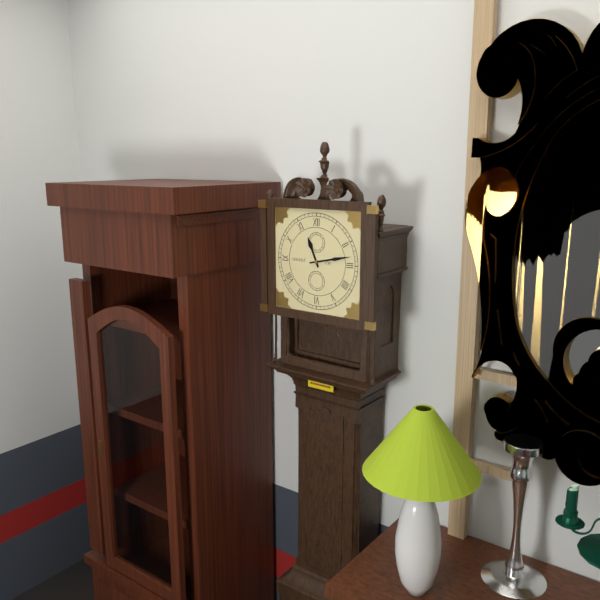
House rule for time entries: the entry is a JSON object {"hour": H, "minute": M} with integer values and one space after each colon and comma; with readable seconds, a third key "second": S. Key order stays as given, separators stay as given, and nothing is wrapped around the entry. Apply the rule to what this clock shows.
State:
{"hour": 11, "minute": 13}
